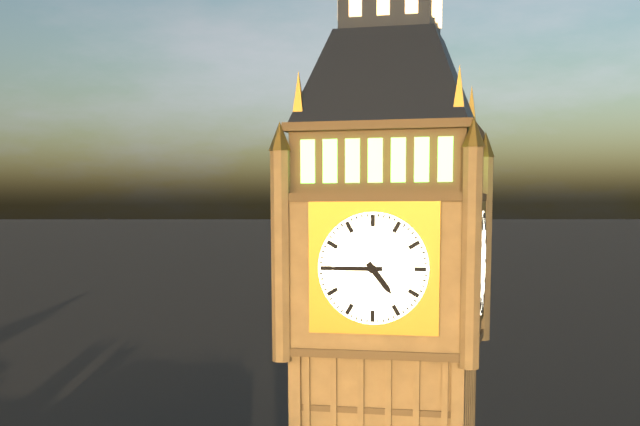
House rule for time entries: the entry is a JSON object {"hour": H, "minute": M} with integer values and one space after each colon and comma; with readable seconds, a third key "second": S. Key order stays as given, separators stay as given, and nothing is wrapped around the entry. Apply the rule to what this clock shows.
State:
{"hour": 4, "minute": 45}
